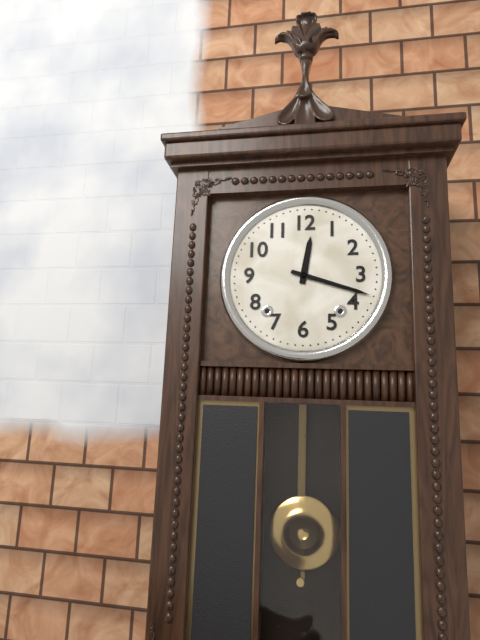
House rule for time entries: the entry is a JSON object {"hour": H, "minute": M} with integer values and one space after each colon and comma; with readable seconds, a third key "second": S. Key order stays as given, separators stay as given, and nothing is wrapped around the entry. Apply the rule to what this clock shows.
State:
{"hour": 12, "minute": 18}
